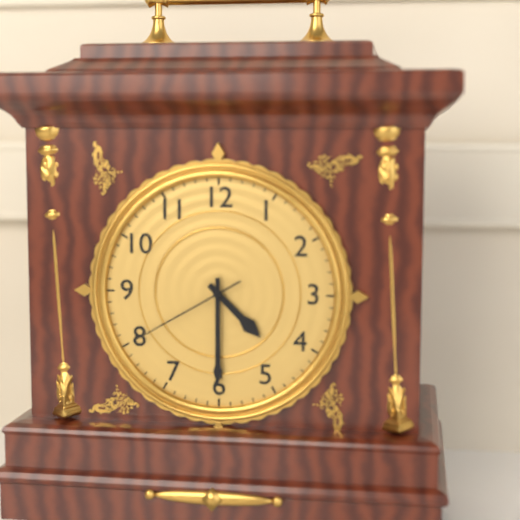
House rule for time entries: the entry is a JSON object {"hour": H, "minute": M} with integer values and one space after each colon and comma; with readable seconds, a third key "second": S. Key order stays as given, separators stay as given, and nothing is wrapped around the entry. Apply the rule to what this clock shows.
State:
{"hour": 4, "minute": 30, "second": 40}
